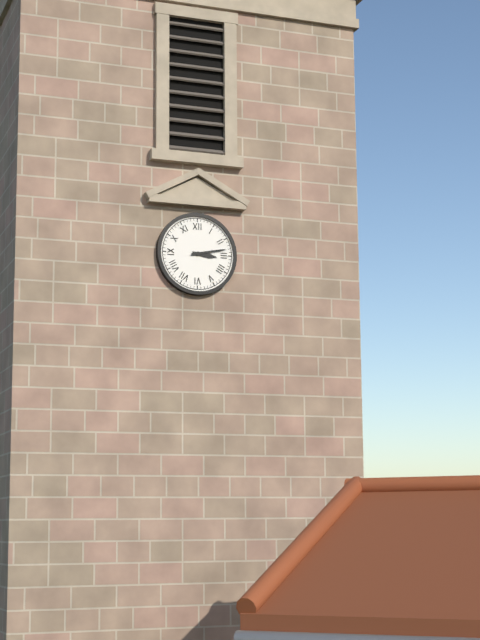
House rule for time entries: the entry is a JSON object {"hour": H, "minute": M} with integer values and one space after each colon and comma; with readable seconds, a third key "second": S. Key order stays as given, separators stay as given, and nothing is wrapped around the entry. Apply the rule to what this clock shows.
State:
{"hour": 3, "minute": 13}
